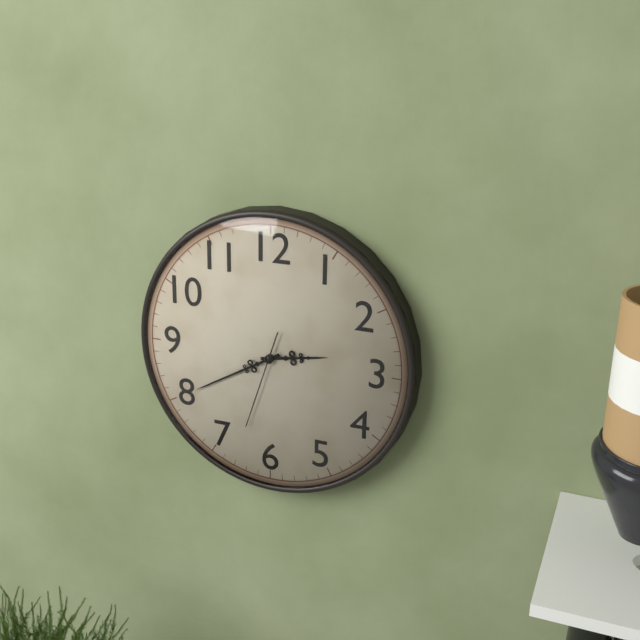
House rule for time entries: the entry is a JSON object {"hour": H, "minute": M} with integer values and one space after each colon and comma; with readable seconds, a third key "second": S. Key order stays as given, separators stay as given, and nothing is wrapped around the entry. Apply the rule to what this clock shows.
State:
{"hour": 2, "minute": 40, "second": 33}
